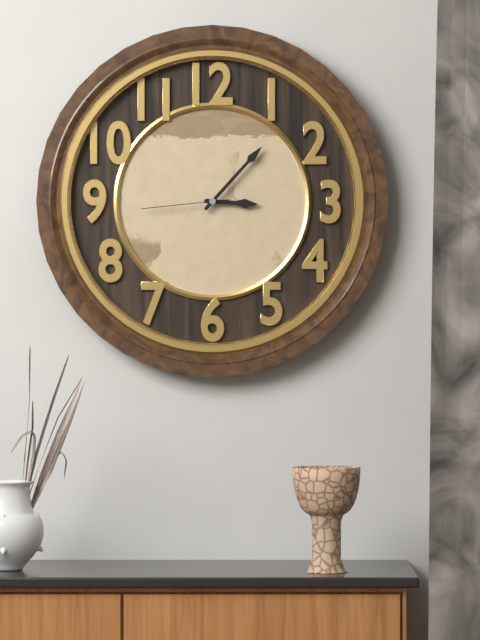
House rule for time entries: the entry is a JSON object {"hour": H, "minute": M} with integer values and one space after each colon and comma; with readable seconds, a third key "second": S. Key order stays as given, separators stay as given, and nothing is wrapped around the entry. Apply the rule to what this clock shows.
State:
{"hour": 3, "minute": 7, "second": 44}
